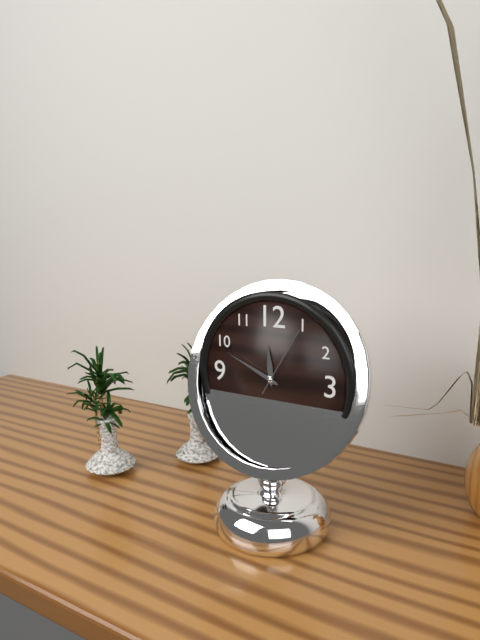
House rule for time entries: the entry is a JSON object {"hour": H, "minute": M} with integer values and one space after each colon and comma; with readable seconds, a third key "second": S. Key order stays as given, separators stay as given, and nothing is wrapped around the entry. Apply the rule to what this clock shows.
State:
{"hour": 11, "minute": 49, "second": 5}
